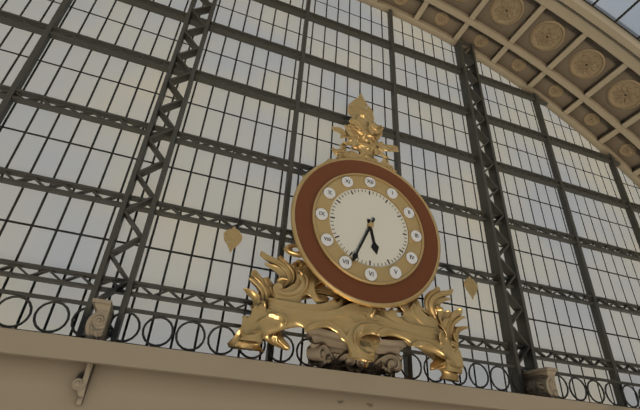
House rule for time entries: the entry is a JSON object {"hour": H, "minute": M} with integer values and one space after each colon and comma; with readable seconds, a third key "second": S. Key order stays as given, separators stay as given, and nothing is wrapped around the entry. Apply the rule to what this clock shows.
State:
{"hour": 5, "minute": 34}
